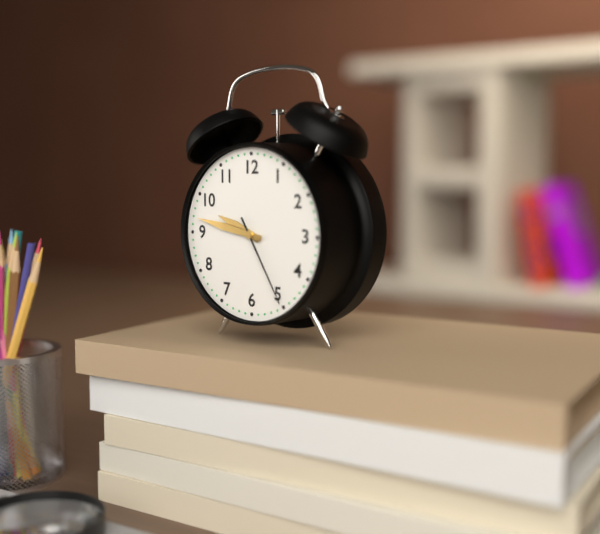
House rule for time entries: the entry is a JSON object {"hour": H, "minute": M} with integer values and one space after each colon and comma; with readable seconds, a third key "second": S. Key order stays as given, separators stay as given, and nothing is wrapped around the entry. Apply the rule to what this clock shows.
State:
{"hour": 9, "minute": 47, "second": 25}
